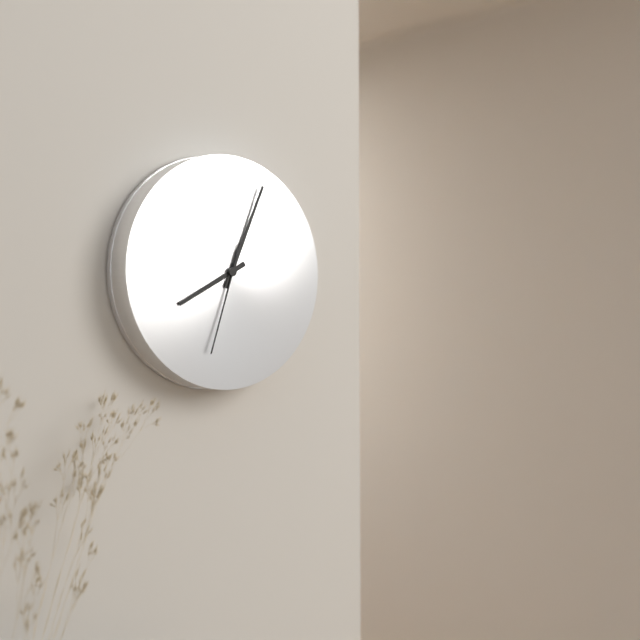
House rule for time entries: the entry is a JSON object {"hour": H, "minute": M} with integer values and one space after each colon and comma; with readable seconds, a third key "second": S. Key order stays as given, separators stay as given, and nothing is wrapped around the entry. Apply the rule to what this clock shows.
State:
{"hour": 8, "minute": 4, "second": 33}
